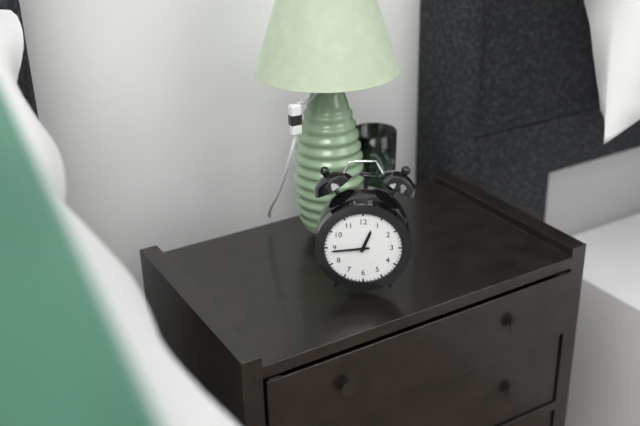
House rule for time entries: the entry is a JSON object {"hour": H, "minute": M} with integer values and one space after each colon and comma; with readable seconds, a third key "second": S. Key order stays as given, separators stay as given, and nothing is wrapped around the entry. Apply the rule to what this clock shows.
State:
{"hour": 12, "minute": 44}
